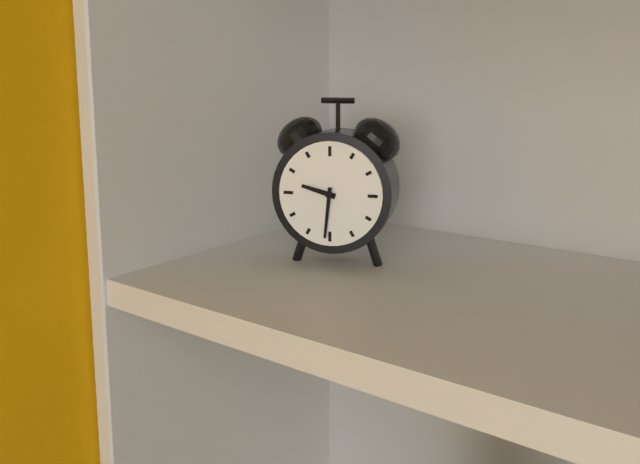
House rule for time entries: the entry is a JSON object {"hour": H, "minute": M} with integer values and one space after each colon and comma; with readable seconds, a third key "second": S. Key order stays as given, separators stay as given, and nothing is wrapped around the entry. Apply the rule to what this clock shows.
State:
{"hour": 9, "minute": 31}
